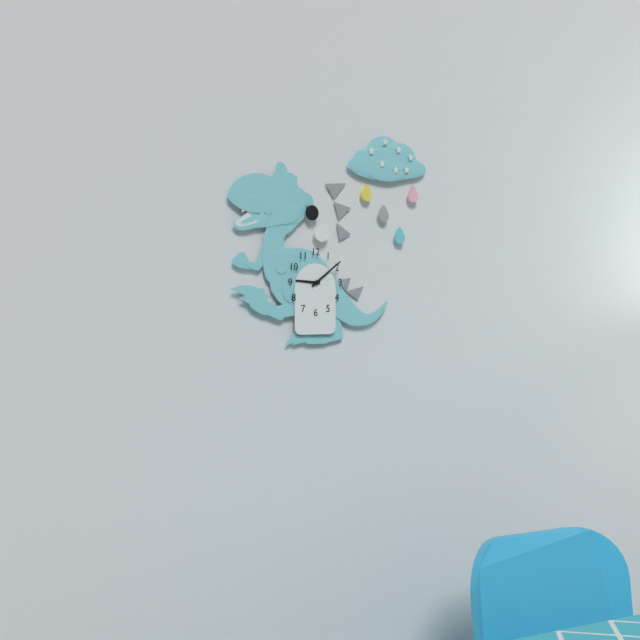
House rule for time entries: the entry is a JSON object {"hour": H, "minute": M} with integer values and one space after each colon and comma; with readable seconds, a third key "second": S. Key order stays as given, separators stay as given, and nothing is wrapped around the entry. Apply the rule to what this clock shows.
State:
{"hour": 9, "minute": 9}
